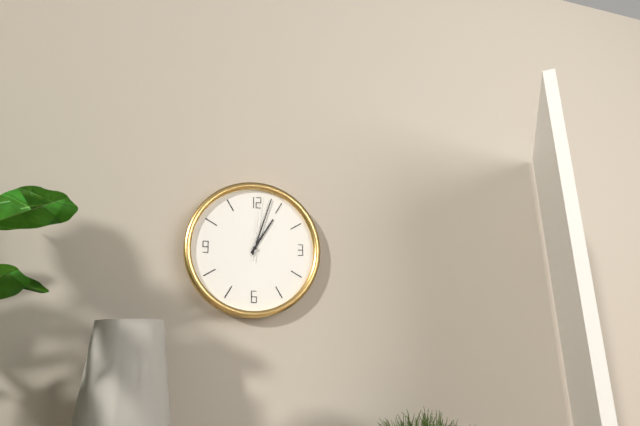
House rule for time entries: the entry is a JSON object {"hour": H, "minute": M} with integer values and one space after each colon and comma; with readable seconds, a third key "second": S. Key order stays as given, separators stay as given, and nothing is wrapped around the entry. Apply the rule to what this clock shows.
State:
{"hour": 1, "minute": 3, "second": 1}
